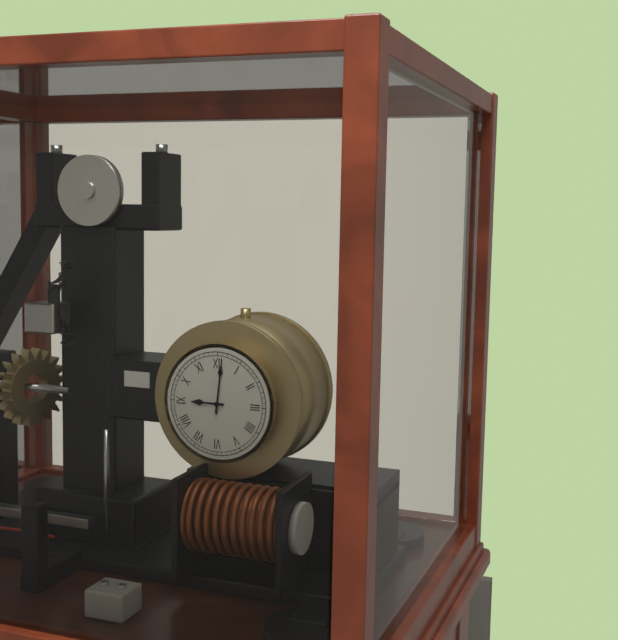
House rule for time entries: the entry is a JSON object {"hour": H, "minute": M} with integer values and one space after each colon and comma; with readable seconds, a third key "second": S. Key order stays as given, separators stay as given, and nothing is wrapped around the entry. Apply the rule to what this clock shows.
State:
{"hour": 9, "minute": 1}
